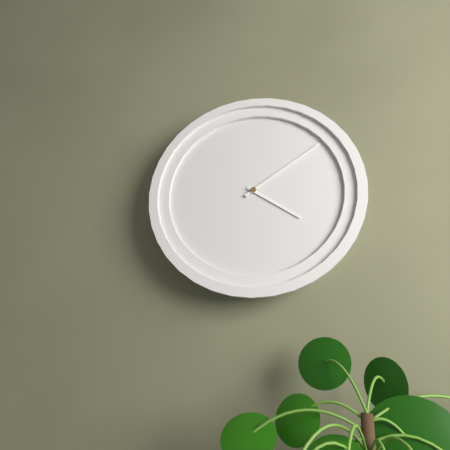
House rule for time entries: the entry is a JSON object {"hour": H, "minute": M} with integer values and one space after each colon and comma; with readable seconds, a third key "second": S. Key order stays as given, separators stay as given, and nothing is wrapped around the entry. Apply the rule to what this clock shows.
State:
{"hour": 4, "minute": 9}
